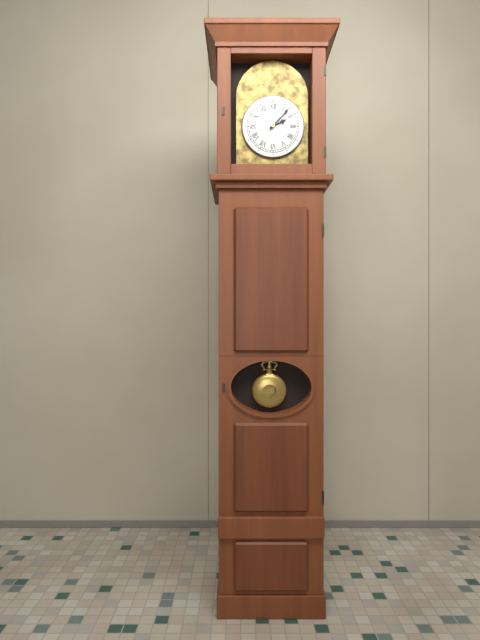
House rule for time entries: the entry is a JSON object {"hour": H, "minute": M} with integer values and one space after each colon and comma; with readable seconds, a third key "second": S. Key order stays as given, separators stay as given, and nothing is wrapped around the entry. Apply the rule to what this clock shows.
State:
{"hour": 2, "minute": 7}
